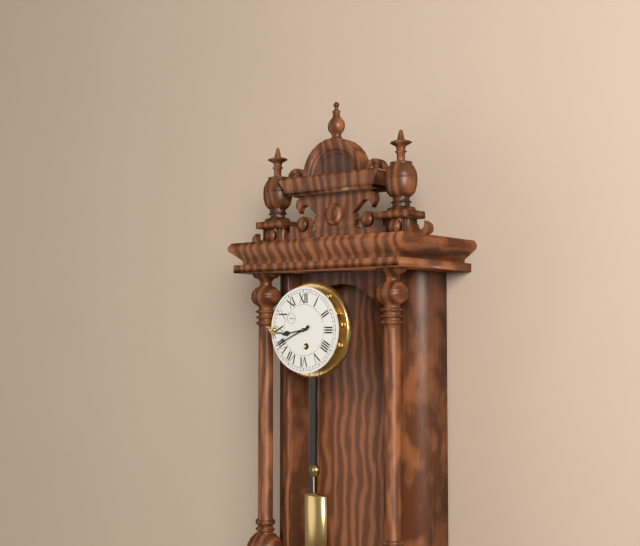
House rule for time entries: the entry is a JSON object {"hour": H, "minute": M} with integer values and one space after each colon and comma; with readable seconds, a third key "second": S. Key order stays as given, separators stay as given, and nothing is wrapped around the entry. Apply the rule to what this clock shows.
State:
{"hour": 8, "minute": 41}
